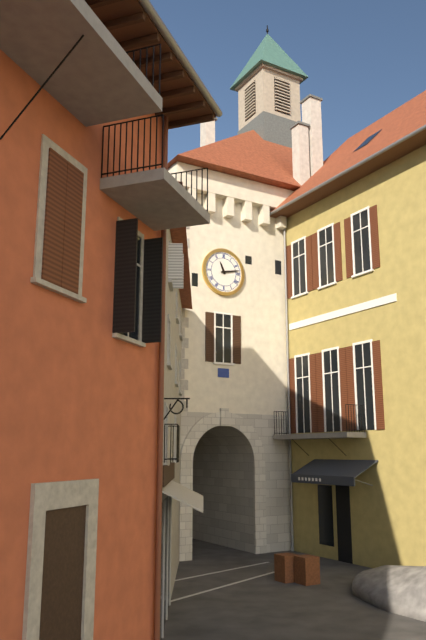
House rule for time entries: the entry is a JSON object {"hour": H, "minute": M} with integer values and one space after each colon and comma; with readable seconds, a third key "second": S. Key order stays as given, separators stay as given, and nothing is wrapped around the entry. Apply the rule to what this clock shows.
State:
{"hour": 11, "minute": 13}
